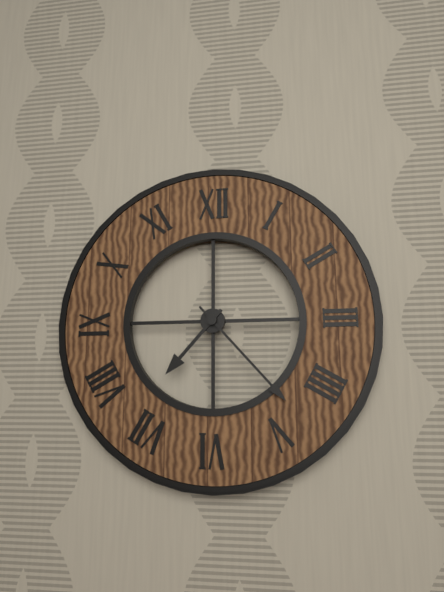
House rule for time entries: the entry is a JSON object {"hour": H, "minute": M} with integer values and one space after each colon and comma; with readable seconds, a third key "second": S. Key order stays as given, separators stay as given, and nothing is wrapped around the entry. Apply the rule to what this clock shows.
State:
{"hour": 7, "minute": 23}
